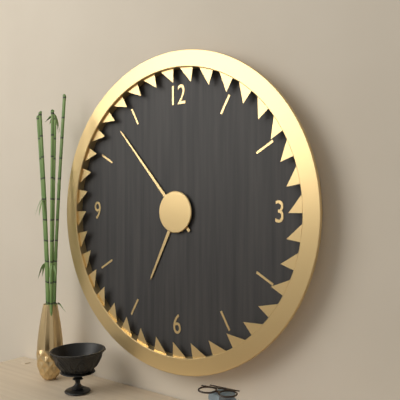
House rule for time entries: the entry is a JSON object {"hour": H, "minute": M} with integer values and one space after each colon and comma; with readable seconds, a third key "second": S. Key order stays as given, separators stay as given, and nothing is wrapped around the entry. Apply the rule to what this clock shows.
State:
{"hour": 6, "minute": 53}
